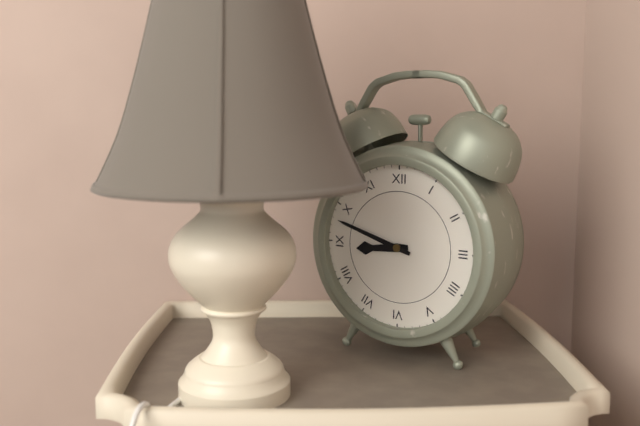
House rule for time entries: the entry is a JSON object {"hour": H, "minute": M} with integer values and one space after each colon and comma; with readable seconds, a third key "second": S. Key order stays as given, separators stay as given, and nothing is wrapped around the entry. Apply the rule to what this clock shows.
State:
{"hour": 8, "minute": 48}
